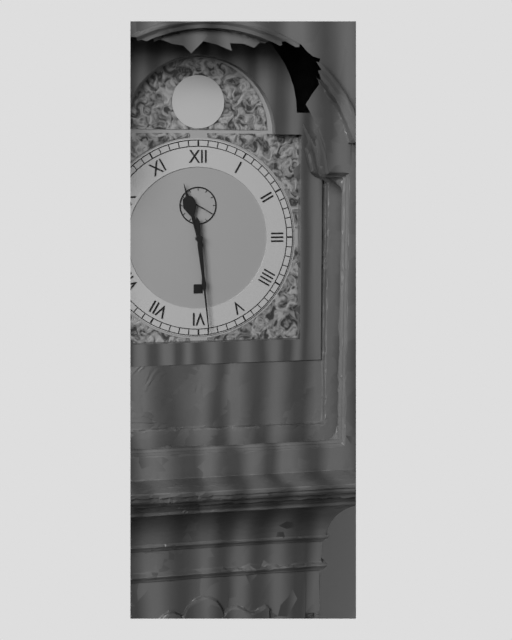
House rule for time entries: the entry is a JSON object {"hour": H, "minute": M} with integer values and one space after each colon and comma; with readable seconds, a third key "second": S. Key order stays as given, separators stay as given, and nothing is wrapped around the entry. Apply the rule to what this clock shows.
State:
{"hour": 11, "minute": 29}
